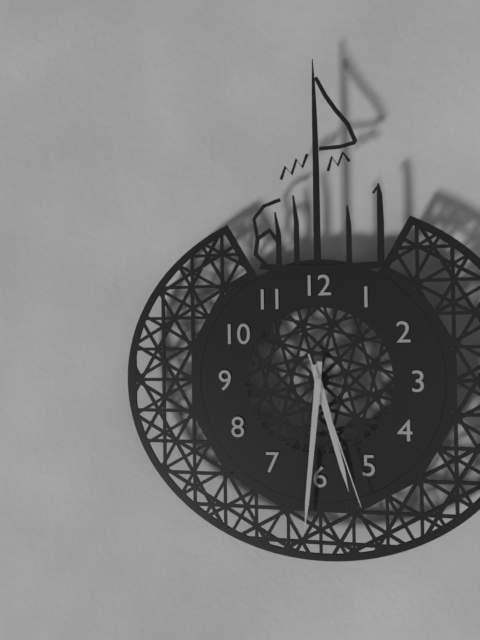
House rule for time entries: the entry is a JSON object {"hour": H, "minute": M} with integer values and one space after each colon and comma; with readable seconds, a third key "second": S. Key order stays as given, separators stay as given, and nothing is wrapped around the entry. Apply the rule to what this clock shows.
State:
{"hour": 5, "minute": 31, "second": 27}
